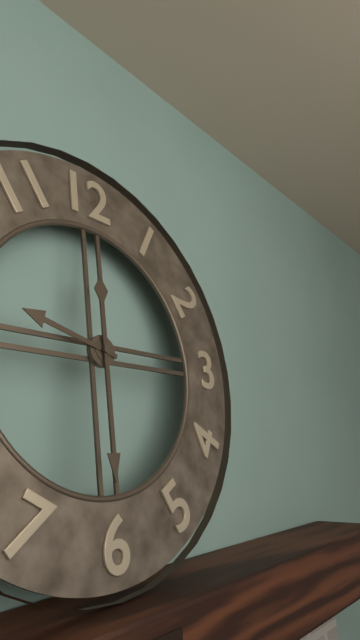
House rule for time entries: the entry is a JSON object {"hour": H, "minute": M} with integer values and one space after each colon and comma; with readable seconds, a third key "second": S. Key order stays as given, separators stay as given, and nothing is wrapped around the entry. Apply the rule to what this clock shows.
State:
{"hour": 9, "minute": 30}
